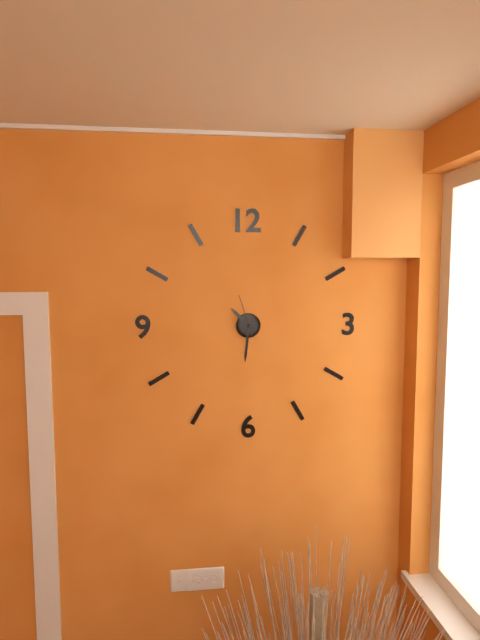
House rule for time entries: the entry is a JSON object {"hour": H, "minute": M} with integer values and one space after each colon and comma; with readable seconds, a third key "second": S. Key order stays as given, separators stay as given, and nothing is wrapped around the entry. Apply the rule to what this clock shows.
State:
{"hour": 10, "minute": 31}
